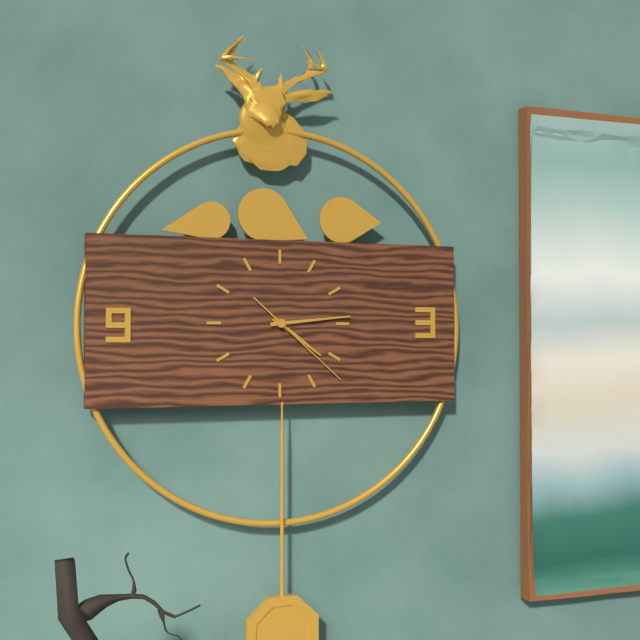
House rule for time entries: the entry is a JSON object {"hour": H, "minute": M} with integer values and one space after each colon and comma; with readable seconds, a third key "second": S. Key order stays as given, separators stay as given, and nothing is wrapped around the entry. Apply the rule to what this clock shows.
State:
{"hour": 4, "minute": 14, "second": 22}
